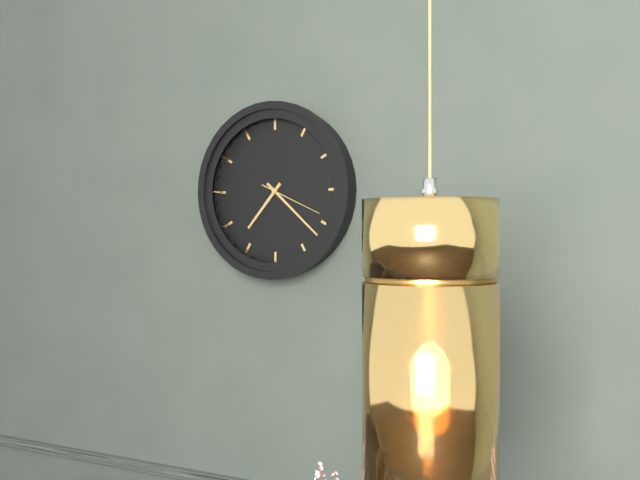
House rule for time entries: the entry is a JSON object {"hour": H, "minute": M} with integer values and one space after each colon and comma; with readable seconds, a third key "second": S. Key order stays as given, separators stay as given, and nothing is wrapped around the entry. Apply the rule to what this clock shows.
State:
{"hour": 7, "minute": 22, "second": 19}
